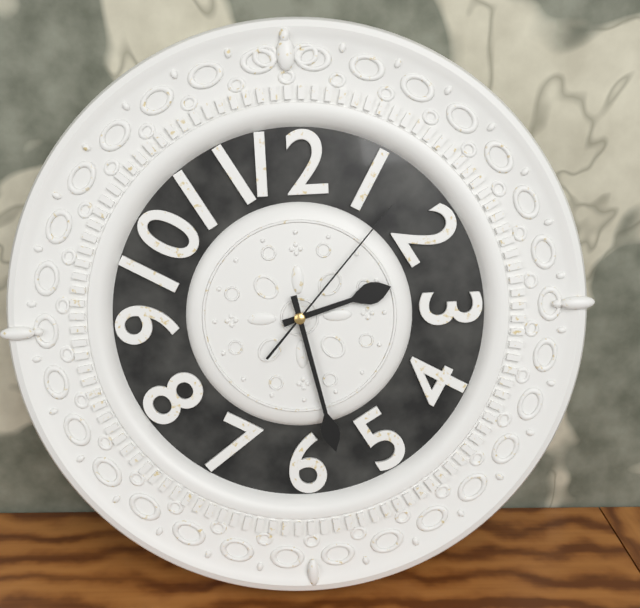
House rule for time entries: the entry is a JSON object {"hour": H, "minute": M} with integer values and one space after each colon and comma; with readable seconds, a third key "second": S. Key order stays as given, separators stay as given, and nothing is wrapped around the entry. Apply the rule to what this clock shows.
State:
{"hour": 2, "minute": 28, "second": 7}
